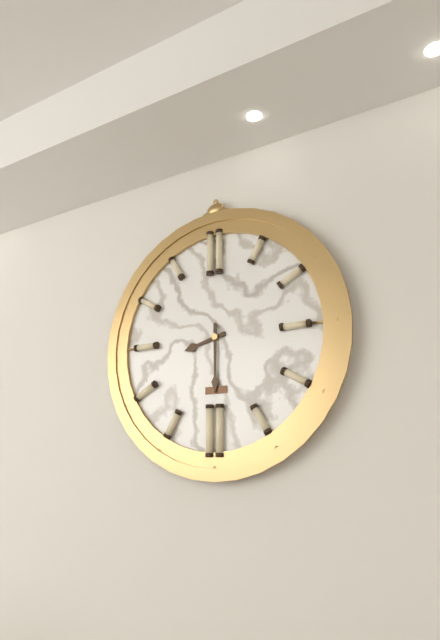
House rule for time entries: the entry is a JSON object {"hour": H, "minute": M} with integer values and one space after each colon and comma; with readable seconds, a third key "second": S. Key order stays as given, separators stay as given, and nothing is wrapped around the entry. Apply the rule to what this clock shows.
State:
{"hour": 8, "minute": 30}
